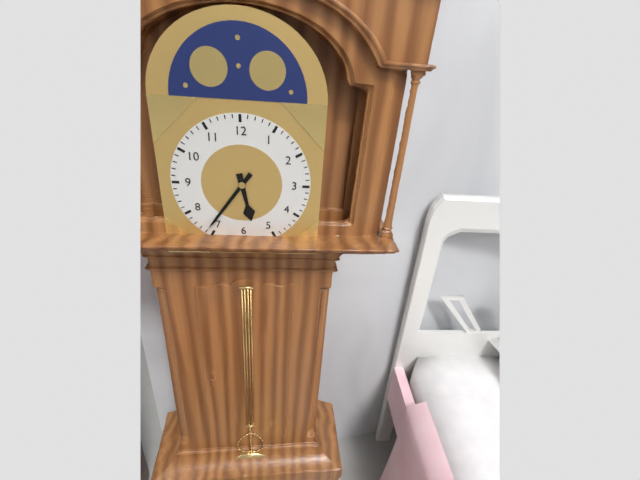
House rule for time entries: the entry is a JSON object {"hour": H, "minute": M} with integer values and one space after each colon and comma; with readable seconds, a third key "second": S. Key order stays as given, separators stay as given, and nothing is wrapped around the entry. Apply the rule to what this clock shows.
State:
{"hour": 5, "minute": 36}
